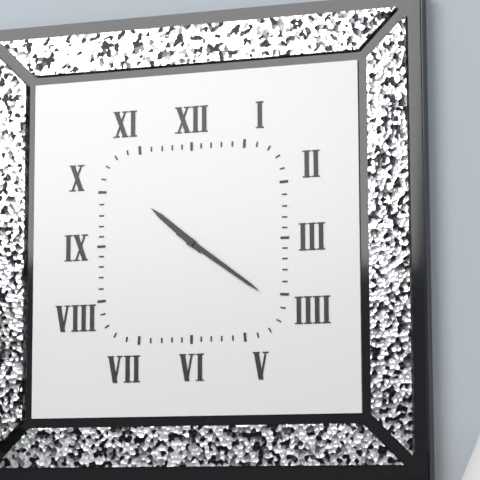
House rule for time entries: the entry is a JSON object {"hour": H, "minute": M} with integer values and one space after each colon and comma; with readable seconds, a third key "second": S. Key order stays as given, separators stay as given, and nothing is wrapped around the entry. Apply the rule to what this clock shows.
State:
{"hour": 10, "minute": 21}
